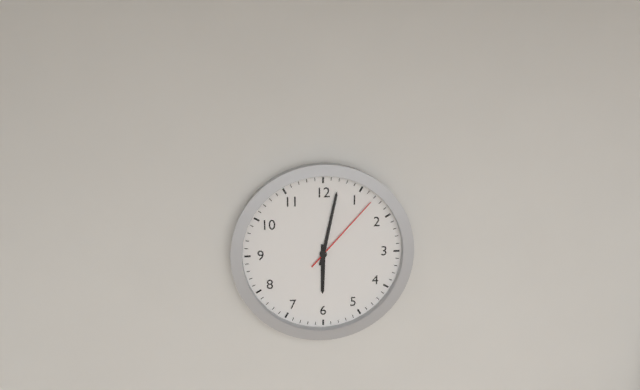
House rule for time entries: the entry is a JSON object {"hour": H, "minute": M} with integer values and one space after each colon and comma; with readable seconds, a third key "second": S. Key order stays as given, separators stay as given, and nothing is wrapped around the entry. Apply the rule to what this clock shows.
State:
{"hour": 6, "minute": 2, "second": 7}
